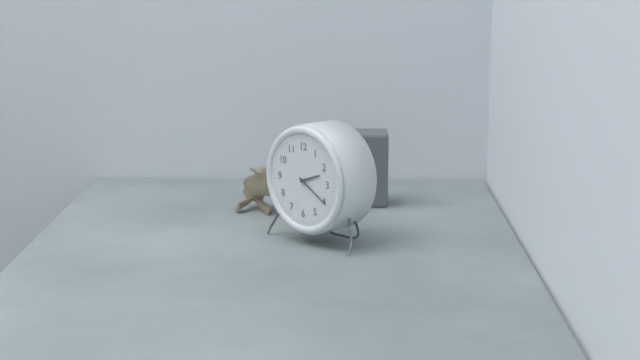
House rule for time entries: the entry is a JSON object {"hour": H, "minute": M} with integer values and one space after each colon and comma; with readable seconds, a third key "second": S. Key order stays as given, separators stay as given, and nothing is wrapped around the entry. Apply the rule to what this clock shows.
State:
{"hour": 2, "minute": 20}
